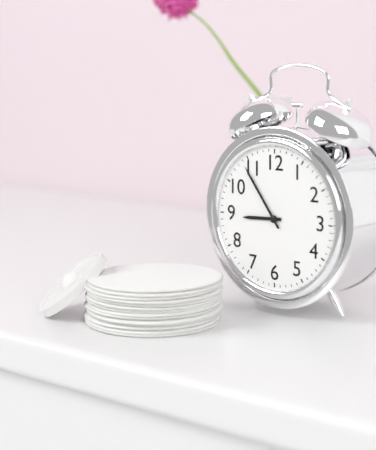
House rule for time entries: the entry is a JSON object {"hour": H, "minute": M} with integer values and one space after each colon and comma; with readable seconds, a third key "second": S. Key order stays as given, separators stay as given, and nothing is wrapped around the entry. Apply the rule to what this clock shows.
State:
{"hour": 8, "minute": 54}
